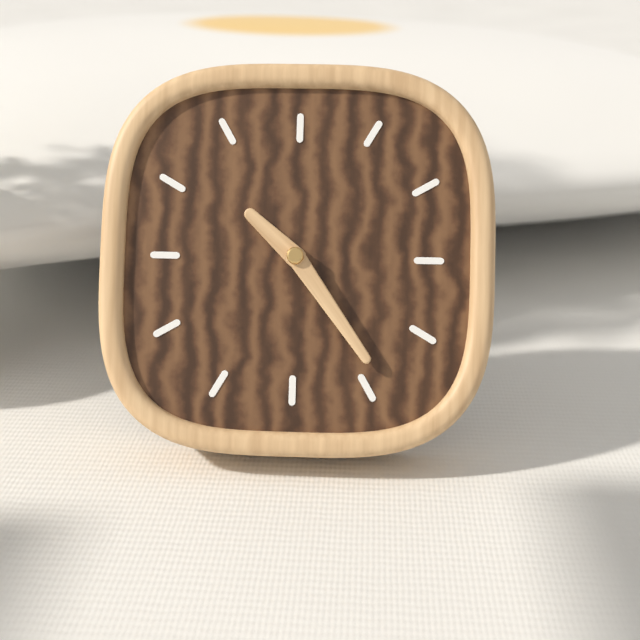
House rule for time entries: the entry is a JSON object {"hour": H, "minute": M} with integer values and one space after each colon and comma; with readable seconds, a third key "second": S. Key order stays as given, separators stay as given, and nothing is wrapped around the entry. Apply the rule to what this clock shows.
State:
{"hour": 10, "minute": 24}
